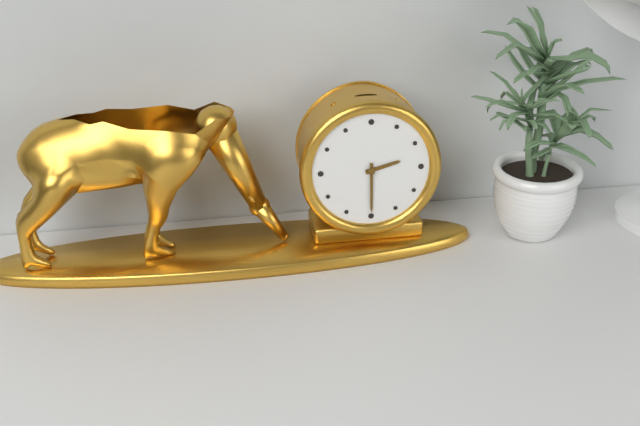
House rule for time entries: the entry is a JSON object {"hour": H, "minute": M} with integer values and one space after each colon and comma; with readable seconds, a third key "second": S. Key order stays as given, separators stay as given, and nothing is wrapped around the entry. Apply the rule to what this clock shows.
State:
{"hour": 2, "minute": 30}
